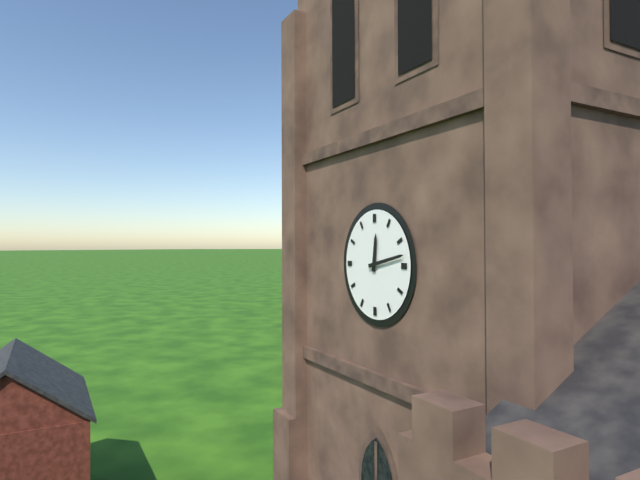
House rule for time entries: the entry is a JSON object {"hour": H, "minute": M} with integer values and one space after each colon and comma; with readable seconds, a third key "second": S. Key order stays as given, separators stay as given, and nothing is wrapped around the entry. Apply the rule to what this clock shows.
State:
{"hour": 12, "minute": 13}
